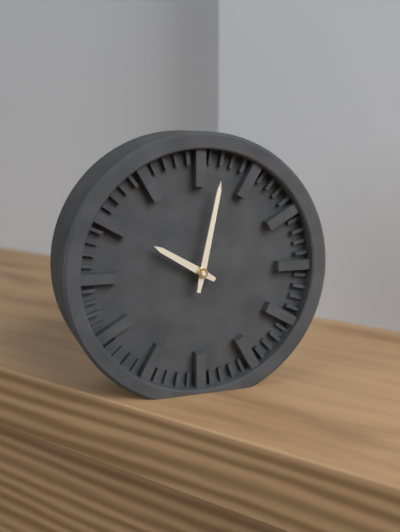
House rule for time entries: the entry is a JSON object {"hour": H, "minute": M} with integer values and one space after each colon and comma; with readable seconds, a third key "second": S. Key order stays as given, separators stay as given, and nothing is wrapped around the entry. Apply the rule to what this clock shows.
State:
{"hour": 10, "minute": 2}
